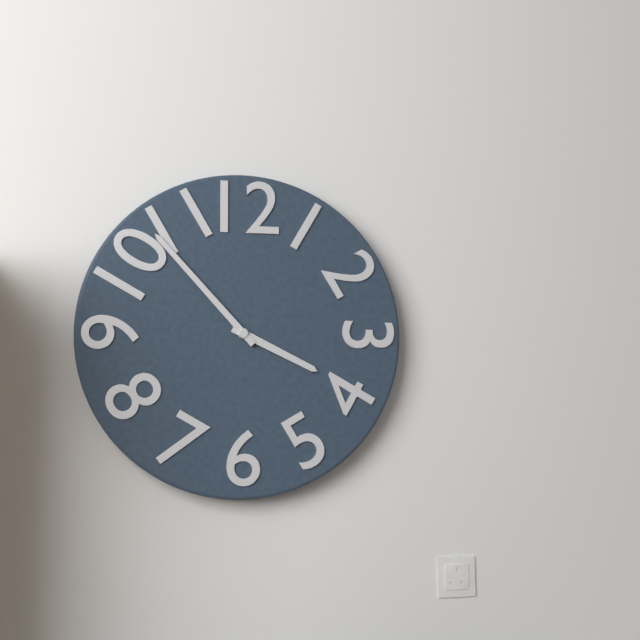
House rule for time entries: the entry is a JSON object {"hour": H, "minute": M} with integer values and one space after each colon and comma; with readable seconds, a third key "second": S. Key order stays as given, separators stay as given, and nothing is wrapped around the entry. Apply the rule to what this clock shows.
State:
{"hour": 3, "minute": 53}
